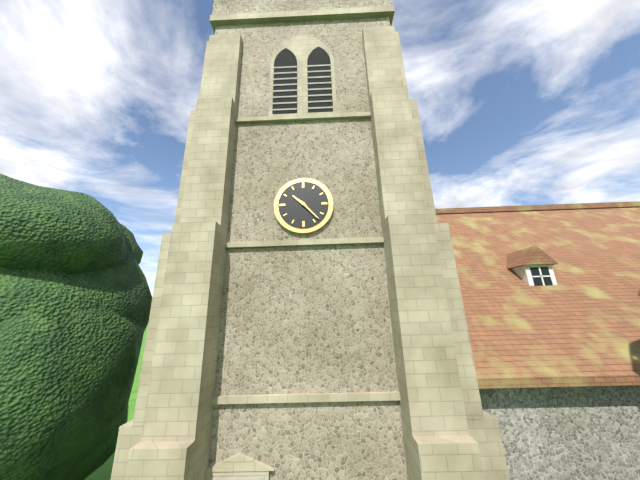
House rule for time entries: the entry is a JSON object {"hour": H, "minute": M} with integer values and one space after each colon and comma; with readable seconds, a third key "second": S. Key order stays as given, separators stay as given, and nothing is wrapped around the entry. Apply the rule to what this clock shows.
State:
{"hour": 10, "minute": 23}
